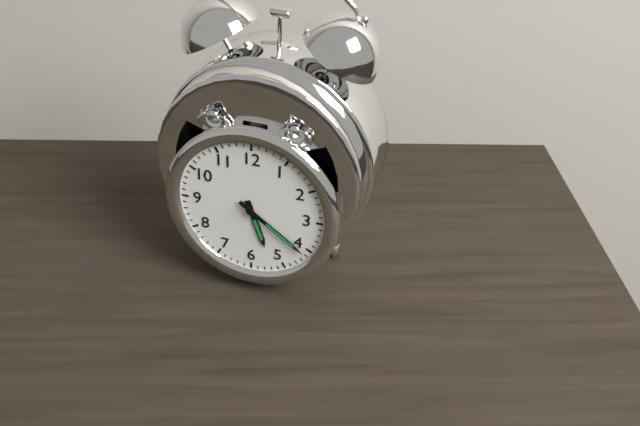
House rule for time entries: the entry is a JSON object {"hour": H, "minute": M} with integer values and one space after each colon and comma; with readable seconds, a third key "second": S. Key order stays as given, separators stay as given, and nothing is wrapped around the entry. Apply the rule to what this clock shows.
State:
{"hour": 5, "minute": 21}
